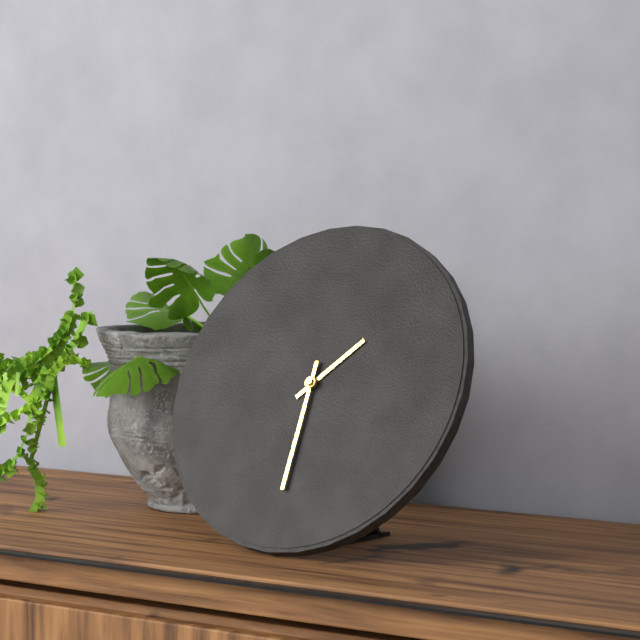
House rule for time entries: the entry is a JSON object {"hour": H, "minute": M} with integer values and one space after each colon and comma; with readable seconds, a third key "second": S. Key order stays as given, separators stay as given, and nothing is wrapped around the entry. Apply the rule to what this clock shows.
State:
{"hour": 1, "minute": 30}
